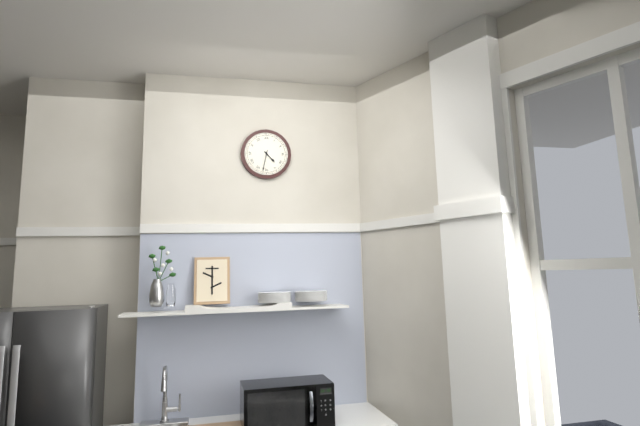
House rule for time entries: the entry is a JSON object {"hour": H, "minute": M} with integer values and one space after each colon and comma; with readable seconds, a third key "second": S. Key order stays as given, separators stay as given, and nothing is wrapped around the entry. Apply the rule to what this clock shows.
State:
{"hour": 4, "minute": 32}
